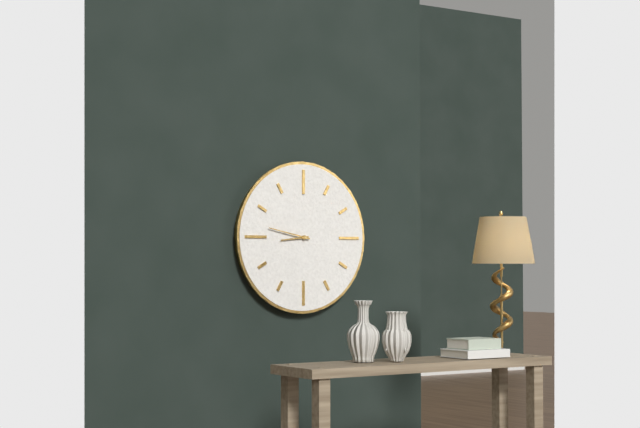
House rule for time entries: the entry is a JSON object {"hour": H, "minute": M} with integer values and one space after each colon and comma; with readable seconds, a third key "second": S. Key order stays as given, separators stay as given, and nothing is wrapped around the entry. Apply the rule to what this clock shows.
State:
{"hour": 8, "minute": 47}
